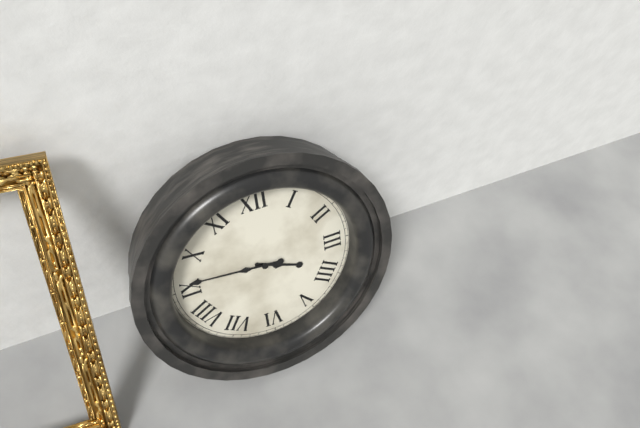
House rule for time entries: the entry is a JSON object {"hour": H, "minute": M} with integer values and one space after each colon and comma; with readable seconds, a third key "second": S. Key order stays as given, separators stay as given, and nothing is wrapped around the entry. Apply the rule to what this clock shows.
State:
{"hour": 3, "minute": 46}
